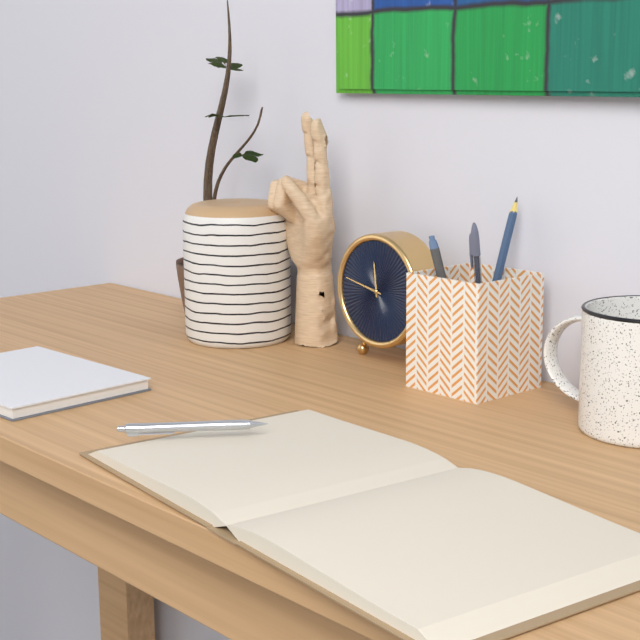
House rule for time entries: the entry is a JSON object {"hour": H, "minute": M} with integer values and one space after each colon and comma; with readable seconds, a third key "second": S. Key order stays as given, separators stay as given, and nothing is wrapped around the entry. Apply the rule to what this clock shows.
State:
{"hour": 11, "minute": 47}
